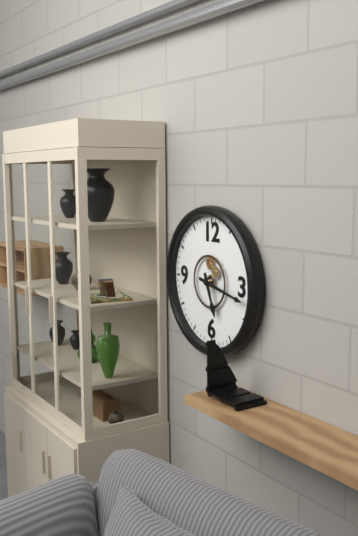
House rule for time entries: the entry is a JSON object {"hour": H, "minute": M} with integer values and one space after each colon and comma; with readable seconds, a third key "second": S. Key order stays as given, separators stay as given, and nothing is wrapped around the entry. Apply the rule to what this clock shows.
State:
{"hour": 5, "minute": 17}
